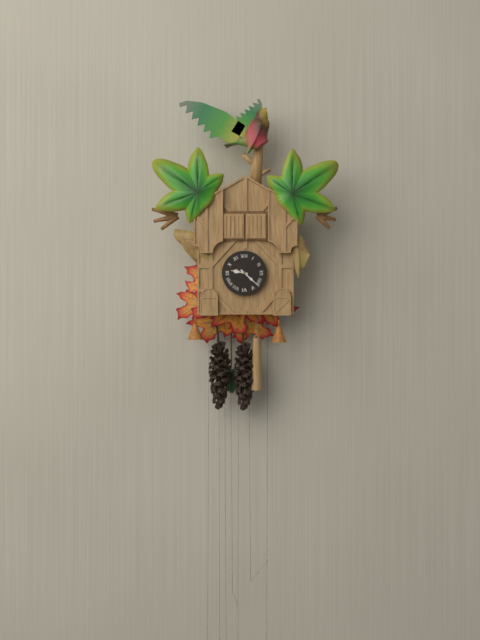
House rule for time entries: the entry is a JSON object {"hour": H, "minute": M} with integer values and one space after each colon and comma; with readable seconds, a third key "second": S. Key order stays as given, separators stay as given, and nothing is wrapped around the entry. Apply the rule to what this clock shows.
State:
{"hour": 9, "minute": 22}
